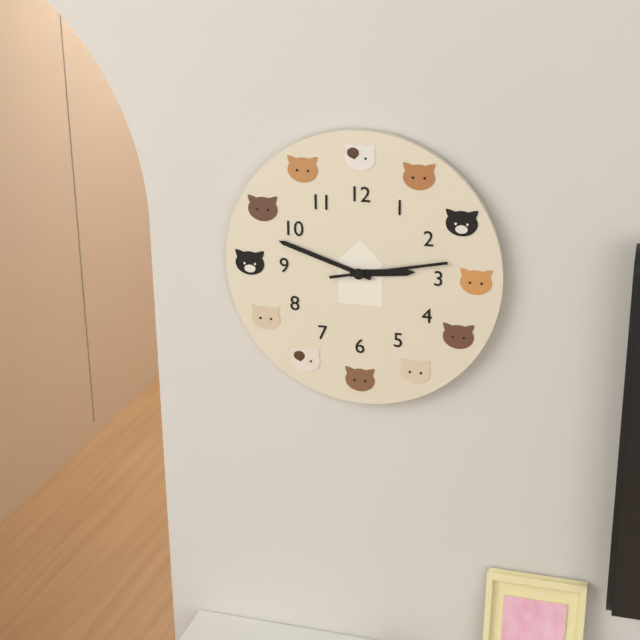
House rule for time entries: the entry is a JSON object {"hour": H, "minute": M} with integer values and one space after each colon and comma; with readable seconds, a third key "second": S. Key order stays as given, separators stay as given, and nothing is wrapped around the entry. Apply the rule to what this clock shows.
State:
{"hour": 2, "minute": 48, "second": 13}
